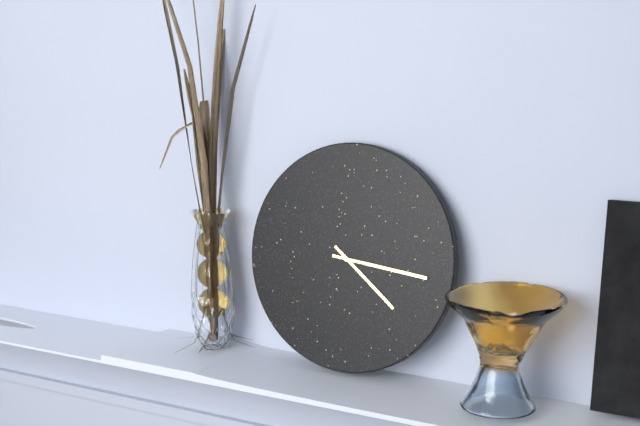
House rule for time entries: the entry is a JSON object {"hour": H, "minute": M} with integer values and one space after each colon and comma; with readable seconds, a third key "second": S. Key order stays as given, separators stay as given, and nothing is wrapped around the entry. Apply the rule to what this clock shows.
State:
{"hour": 4, "minute": 16}
